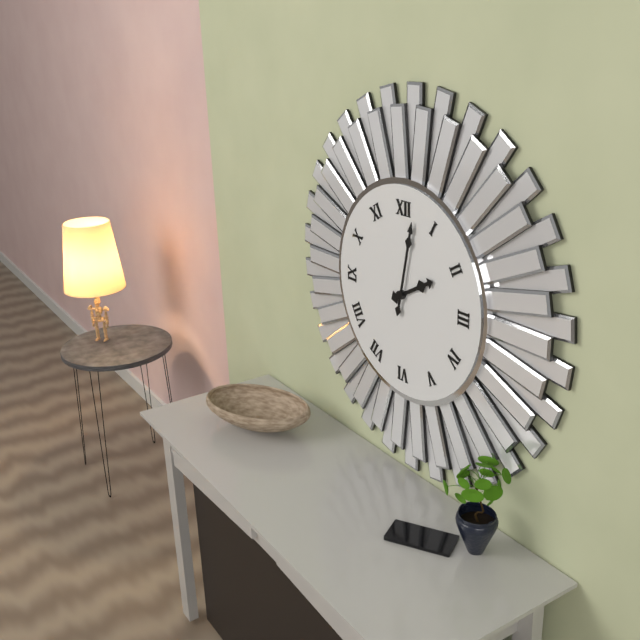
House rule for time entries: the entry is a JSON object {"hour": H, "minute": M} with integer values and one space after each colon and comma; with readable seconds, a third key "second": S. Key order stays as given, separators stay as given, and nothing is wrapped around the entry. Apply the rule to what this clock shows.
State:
{"hour": 2, "minute": 2}
